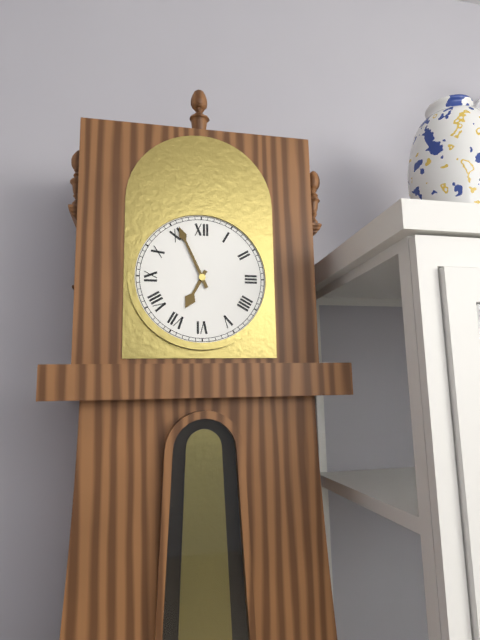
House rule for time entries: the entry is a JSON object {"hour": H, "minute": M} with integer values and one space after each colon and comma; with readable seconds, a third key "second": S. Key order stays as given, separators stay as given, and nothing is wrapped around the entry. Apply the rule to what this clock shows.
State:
{"hour": 6, "minute": 56}
